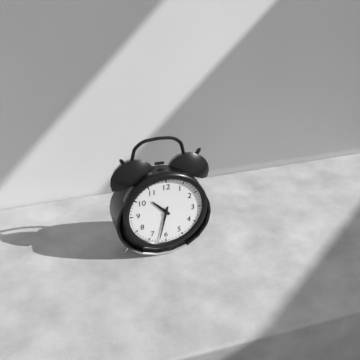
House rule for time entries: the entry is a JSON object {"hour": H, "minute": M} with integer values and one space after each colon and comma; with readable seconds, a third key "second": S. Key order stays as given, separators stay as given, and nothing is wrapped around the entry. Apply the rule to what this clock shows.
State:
{"hour": 10, "minute": 32}
